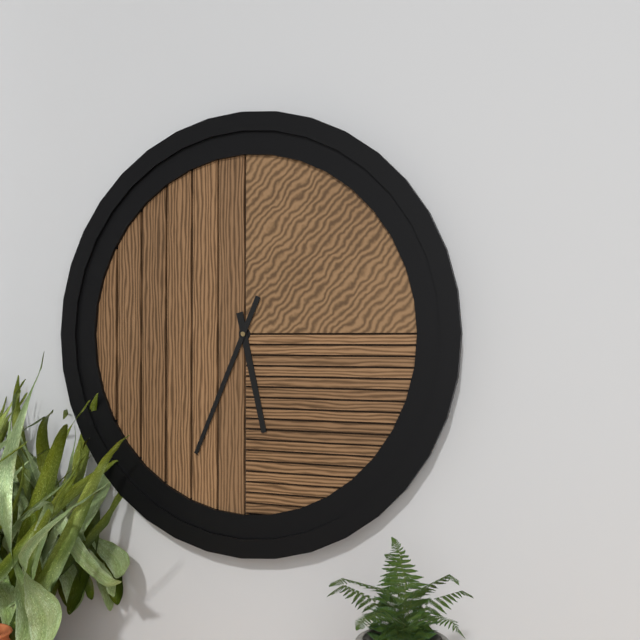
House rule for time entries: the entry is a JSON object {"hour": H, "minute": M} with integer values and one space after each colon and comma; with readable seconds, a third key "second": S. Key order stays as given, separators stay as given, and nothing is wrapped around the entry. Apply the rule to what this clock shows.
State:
{"hour": 5, "minute": 34}
